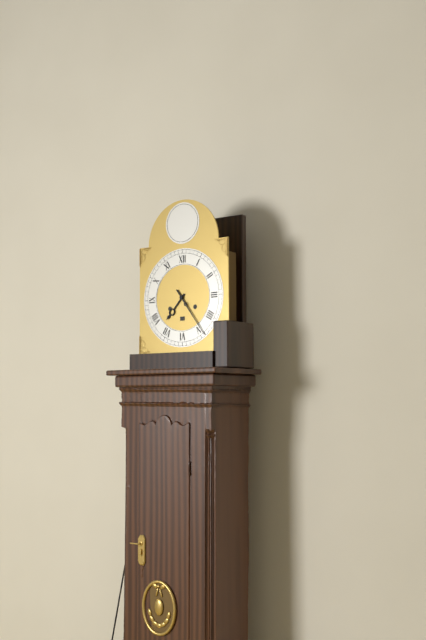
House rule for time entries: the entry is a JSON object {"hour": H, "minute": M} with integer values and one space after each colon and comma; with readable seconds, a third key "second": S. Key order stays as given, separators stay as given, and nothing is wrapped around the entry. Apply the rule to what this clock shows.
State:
{"hour": 7, "minute": 24}
